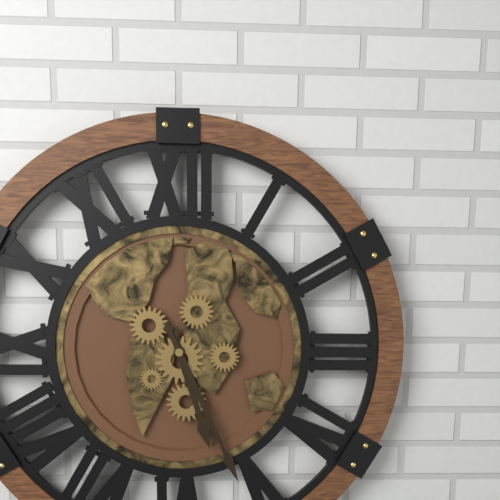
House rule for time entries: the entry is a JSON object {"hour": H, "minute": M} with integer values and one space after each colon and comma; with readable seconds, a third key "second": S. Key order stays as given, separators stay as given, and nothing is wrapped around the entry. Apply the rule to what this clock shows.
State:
{"hour": 5, "minute": 26}
